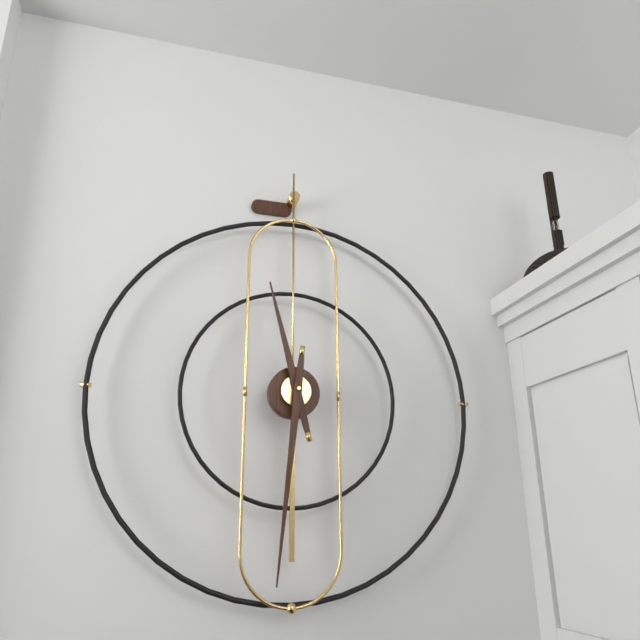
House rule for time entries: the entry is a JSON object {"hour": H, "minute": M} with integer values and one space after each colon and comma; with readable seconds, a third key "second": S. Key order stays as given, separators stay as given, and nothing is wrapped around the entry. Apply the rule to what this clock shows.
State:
{"hour": 11, "minute": 31}
